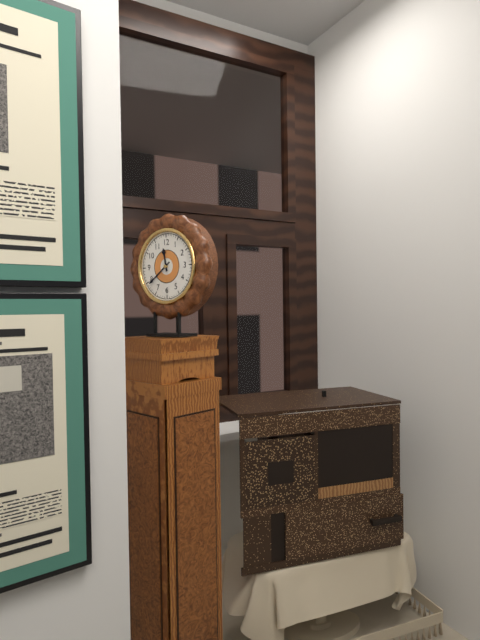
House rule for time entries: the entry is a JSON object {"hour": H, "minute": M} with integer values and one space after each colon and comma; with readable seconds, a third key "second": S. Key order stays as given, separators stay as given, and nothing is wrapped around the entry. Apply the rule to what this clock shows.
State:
{"hour": 11, "minute": 39}
